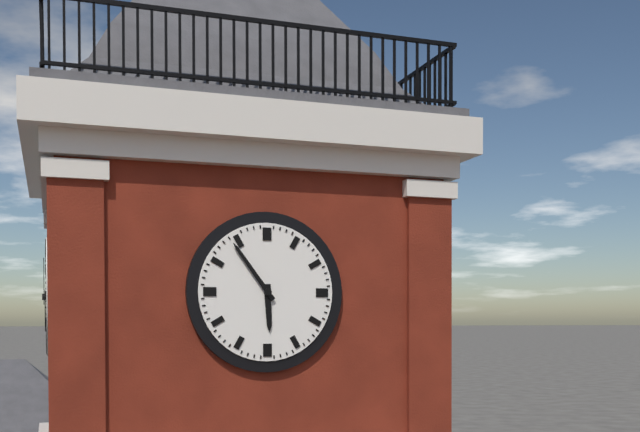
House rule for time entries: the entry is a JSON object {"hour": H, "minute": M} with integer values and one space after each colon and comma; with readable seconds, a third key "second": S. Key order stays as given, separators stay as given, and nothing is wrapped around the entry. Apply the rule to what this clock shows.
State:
{"hour": 5, "minute": 54}
